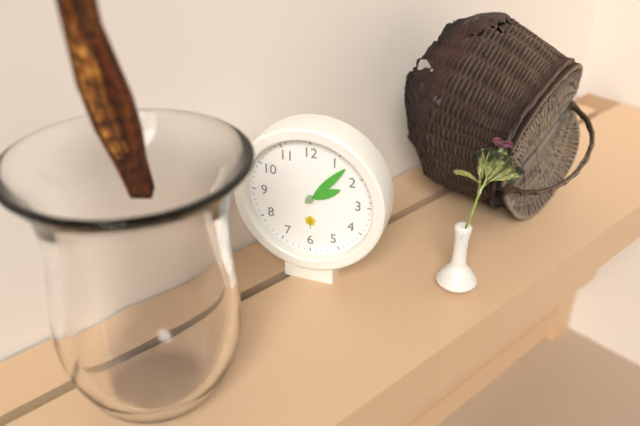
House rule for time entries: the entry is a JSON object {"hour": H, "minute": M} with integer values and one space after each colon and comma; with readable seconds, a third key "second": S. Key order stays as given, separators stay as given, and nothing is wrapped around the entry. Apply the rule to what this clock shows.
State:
{"hour": 2, "minute": 7}
